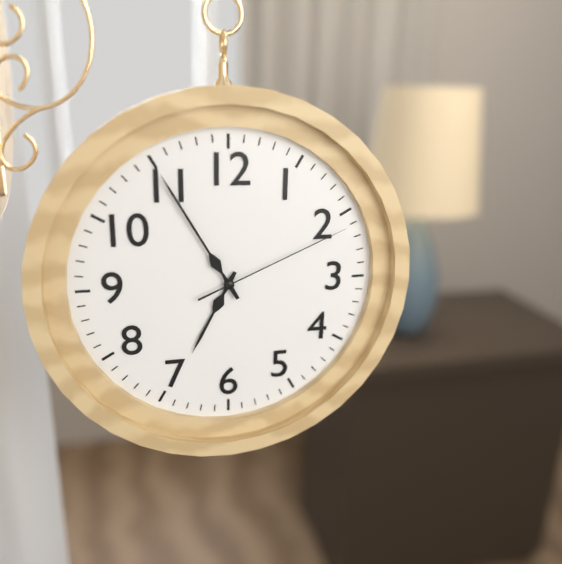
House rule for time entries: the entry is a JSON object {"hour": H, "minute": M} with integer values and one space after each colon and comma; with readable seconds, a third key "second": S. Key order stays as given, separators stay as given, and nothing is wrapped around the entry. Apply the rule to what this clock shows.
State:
{"hour": 6, "minute": 55, "second": 11}
